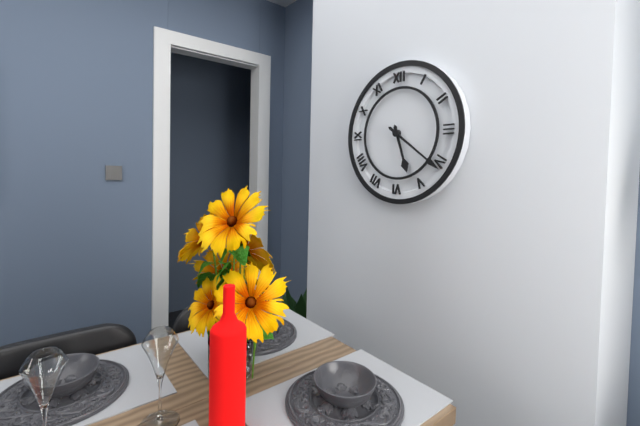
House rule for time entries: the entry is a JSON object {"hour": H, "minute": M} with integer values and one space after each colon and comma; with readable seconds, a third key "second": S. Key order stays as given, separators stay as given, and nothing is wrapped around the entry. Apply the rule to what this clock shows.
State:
{"hour": 5, "minute": 21}
